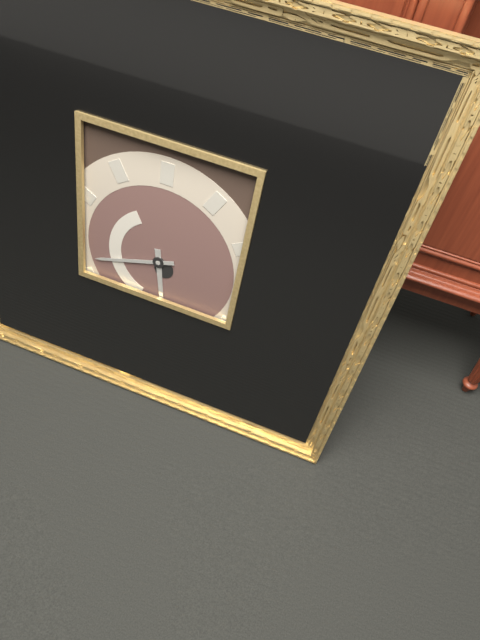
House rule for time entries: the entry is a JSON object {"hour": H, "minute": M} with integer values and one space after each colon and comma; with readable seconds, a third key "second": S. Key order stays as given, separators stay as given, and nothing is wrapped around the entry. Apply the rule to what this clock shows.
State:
{"hour": 5, "minute": 42}
